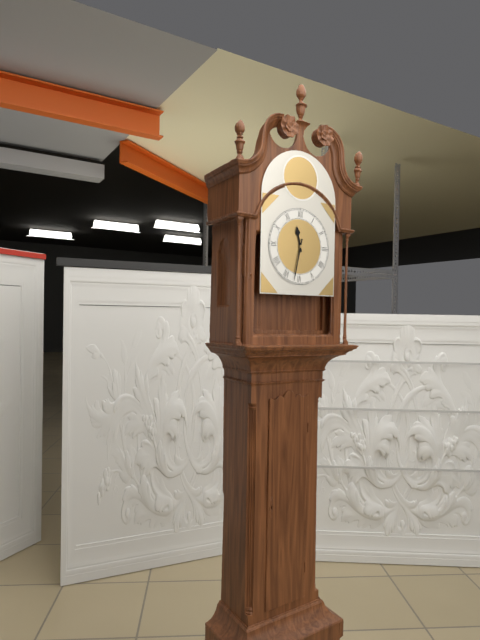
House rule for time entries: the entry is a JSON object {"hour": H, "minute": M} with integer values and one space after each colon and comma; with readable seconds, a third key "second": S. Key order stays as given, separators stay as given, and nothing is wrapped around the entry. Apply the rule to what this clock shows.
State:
{"hour": 11, "minute": 32}
